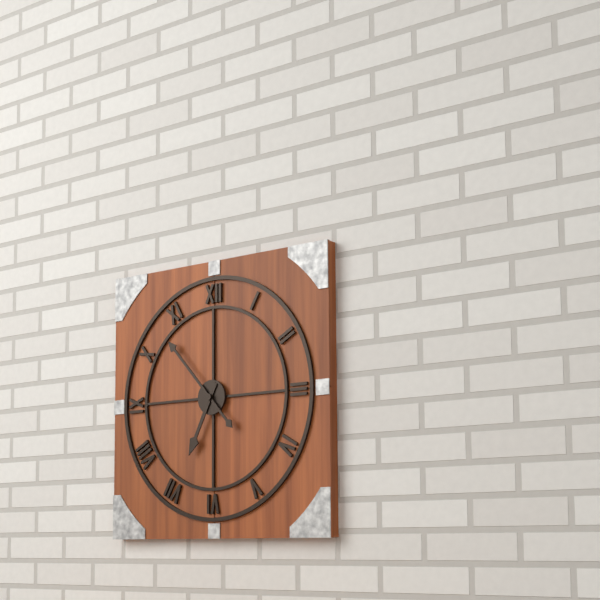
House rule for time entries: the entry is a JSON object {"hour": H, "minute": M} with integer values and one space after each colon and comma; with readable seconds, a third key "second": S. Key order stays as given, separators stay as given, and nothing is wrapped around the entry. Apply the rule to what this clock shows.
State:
{"hour": 6, "minute": 53}
